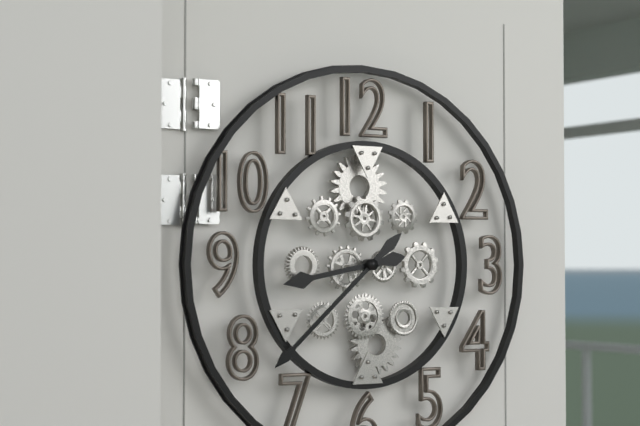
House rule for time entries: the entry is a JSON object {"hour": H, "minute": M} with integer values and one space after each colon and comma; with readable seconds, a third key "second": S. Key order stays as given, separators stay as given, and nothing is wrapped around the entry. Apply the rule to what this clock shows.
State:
{"hour": 8, "minute": 38}
